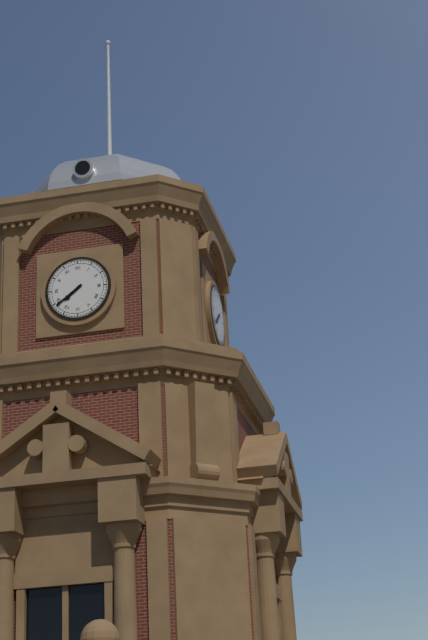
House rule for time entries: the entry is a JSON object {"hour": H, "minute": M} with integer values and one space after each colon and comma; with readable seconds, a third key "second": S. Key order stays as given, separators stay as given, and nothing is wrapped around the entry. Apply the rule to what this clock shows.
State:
{"hour": 7, "minute": 39}
